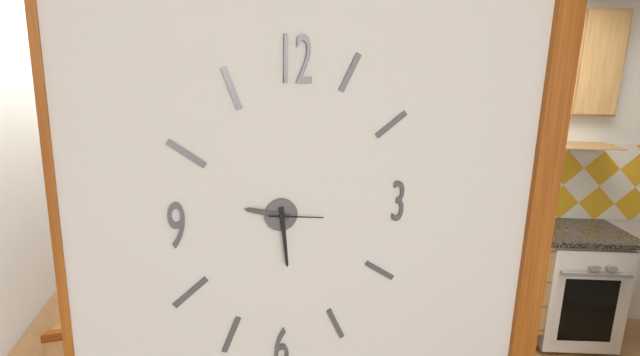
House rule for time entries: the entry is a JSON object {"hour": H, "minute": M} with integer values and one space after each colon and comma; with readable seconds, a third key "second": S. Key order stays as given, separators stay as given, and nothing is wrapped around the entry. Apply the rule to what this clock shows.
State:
{"hour": 9, "minute": 29, "second": 16}
